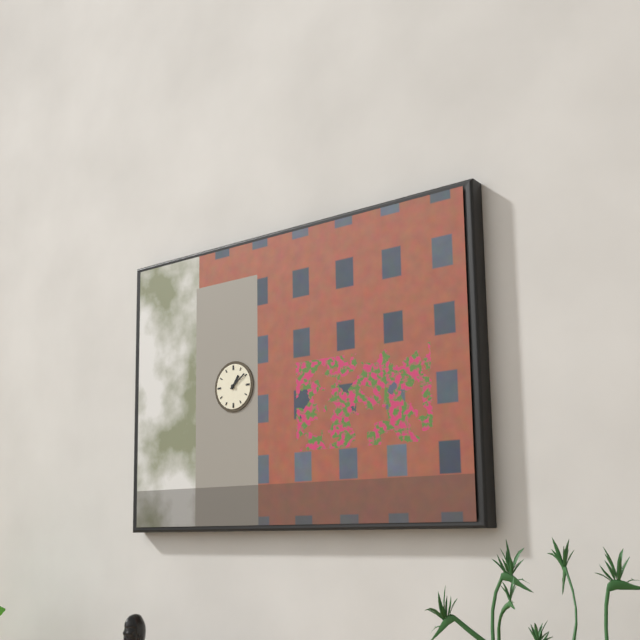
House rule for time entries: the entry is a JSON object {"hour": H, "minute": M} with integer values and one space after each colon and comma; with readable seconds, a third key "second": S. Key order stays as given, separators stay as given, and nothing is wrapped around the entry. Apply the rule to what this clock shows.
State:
{"hour": 1, "minute": 9}
